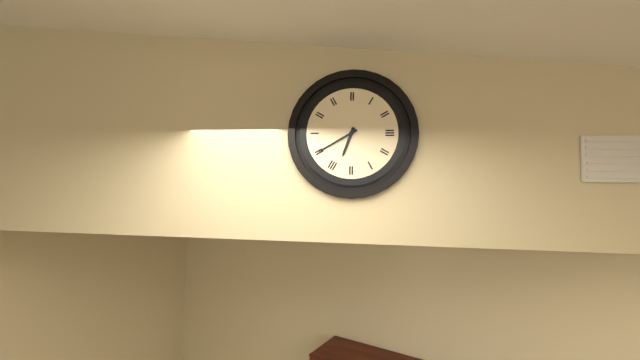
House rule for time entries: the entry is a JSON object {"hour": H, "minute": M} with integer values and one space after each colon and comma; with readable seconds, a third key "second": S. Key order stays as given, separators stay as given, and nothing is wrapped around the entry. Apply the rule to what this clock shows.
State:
{"hour": 6, "minute": 40}
